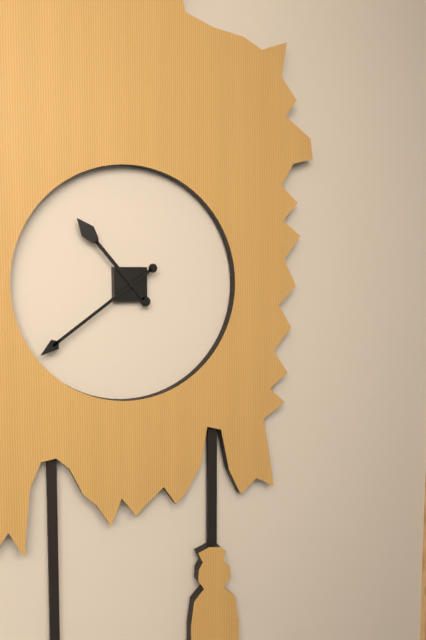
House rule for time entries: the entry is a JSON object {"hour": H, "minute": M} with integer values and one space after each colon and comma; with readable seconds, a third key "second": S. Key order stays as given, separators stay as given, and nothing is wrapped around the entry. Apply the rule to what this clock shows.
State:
{"hour": 10, "minute": 39}
